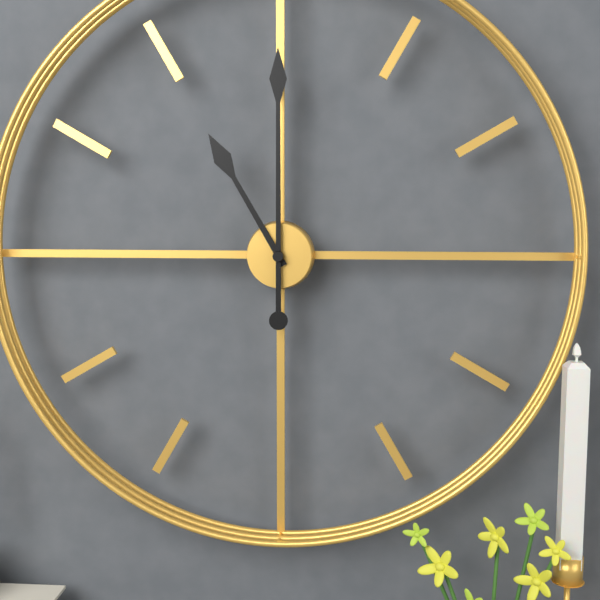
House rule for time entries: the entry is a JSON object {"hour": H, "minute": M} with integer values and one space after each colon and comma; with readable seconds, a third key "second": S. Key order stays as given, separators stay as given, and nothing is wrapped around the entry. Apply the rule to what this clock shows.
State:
{"hour": 11, "minute": 0}
